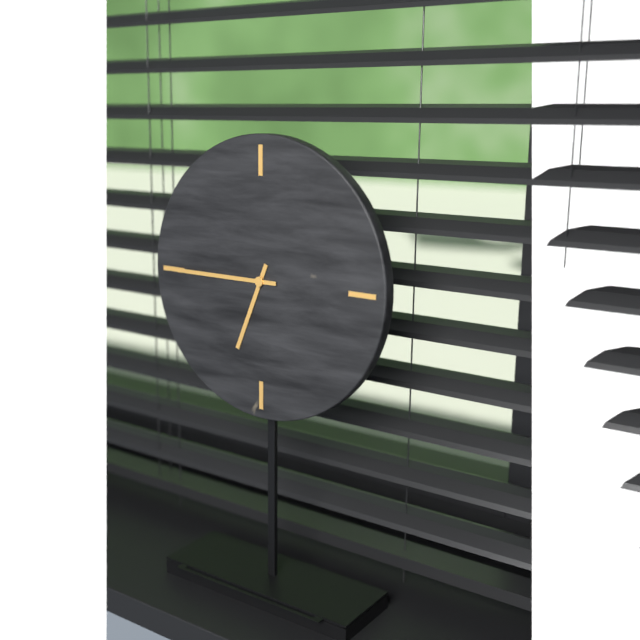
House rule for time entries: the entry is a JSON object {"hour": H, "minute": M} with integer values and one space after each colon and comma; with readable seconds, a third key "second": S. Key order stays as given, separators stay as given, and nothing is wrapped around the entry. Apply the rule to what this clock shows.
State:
{"hour": 6, "minute": 45}
